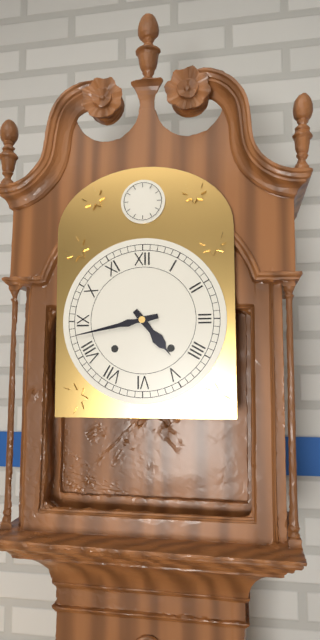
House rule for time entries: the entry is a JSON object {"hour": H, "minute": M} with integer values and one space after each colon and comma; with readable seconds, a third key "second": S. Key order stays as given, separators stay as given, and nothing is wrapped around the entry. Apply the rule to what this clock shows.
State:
{"hour": 4, "minute": 43}
